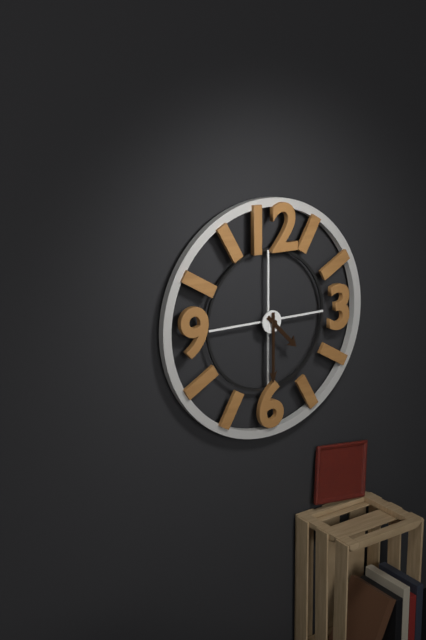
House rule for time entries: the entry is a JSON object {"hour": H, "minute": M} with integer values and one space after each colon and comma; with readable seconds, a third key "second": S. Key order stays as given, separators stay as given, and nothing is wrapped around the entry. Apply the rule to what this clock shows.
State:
{"hour": 4, "minute": 30}
